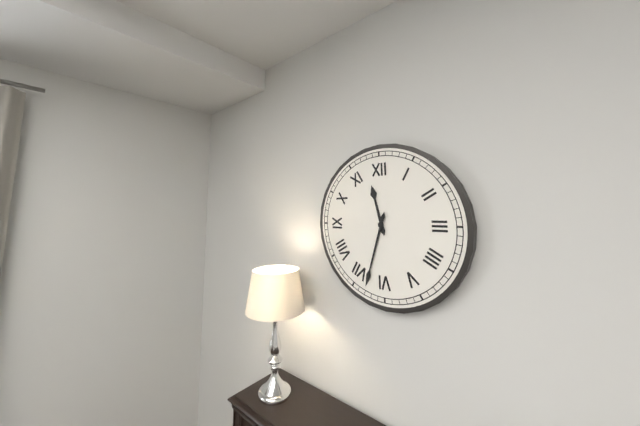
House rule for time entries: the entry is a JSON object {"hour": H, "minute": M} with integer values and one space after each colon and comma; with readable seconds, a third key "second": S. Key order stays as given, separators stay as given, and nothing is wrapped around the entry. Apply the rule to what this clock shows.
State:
{"hour": 11, "minute": 33}
